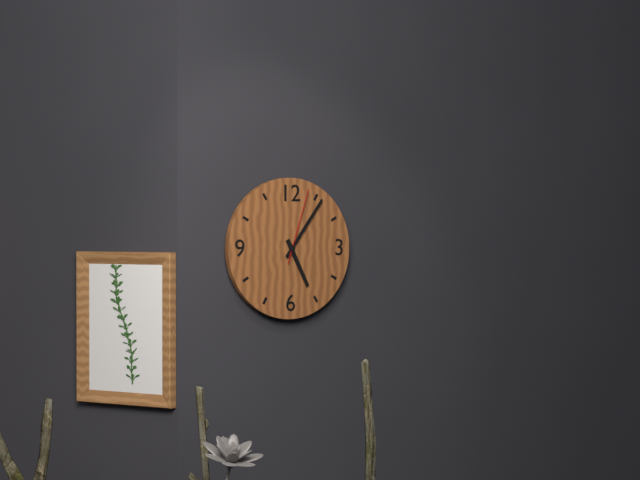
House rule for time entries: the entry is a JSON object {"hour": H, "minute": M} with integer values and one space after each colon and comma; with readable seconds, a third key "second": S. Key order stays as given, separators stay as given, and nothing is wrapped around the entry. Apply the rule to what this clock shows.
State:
{"hour": 5, "minute": 6, "second": 3}
